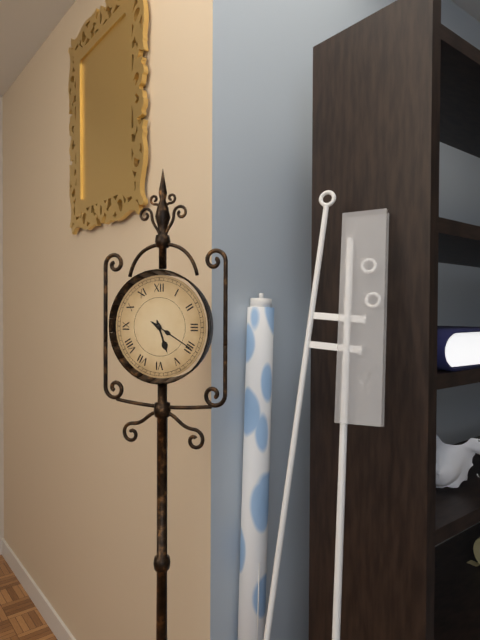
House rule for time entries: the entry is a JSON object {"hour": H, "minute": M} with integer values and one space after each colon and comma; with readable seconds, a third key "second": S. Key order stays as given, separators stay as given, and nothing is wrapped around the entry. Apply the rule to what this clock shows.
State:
{"hour": 5, "minute": 20}
